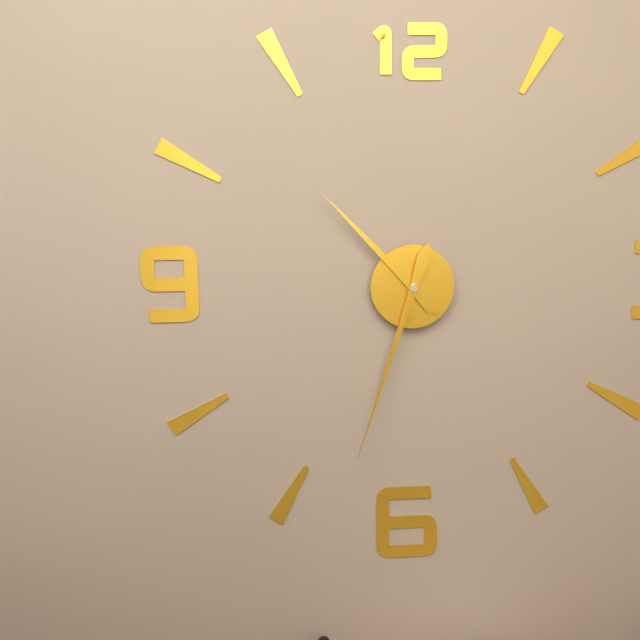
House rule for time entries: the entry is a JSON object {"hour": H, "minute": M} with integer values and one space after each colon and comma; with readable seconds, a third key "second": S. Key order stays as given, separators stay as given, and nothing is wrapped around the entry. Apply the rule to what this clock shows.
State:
{"hour": 10, "minute": 33}
